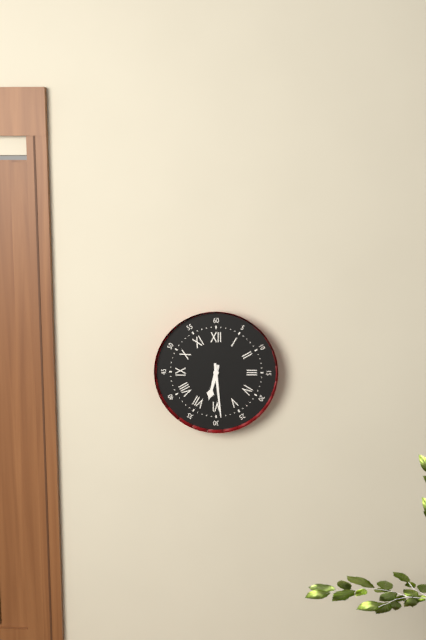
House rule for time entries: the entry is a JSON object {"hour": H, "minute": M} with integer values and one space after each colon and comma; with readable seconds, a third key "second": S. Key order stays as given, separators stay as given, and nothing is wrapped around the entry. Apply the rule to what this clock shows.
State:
{"hour": 6, "minute": 29}
